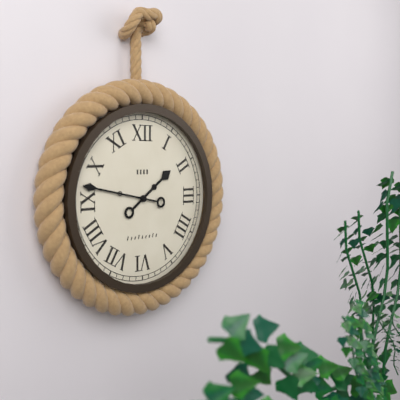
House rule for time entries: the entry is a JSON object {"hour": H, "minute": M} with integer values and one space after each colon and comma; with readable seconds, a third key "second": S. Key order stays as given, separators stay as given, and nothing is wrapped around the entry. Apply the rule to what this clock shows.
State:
{"hour": 1, "minute": 47}
